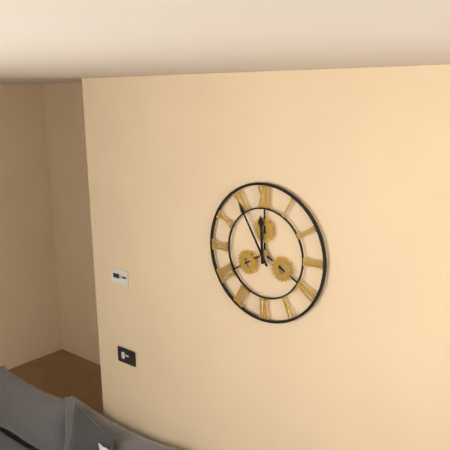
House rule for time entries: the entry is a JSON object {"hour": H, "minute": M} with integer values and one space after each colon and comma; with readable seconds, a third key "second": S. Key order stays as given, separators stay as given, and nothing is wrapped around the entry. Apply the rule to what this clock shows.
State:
{"hour": 11, "minute": 55}
